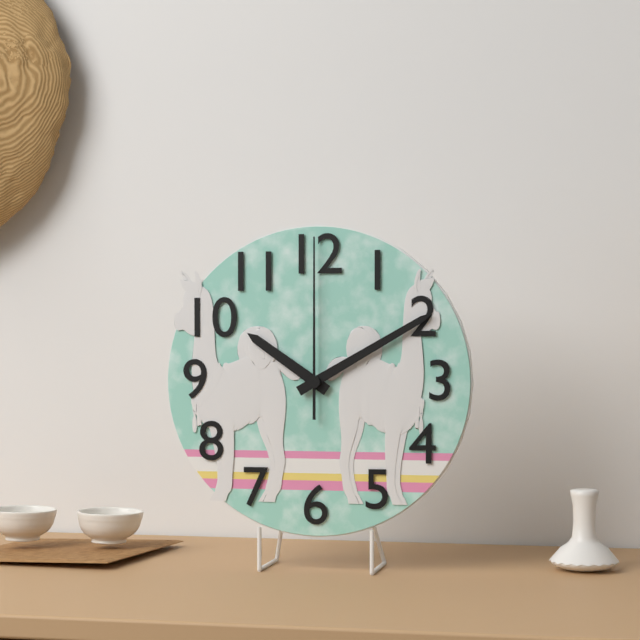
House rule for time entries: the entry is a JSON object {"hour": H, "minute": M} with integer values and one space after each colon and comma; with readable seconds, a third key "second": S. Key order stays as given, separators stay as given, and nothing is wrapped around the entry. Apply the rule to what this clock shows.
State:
{"hour": 10, "minute": 10, "second": 0}
